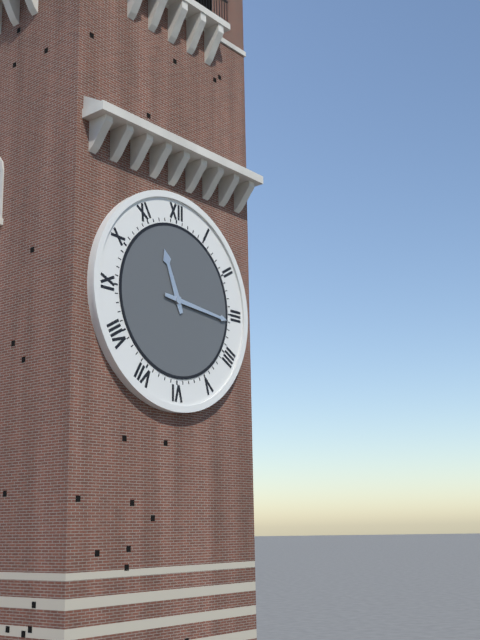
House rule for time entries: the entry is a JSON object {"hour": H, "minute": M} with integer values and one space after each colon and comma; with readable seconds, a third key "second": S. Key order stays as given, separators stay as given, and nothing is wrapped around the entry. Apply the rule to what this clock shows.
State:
{"hour": 11, "minute": 16}
